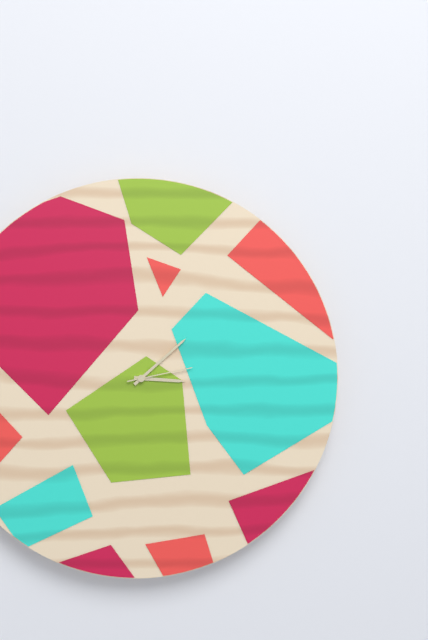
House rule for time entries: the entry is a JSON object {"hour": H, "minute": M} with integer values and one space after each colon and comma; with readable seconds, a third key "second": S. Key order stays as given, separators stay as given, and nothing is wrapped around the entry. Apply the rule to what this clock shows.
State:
{"hour": 3, "minute": 8, "second": 13}
